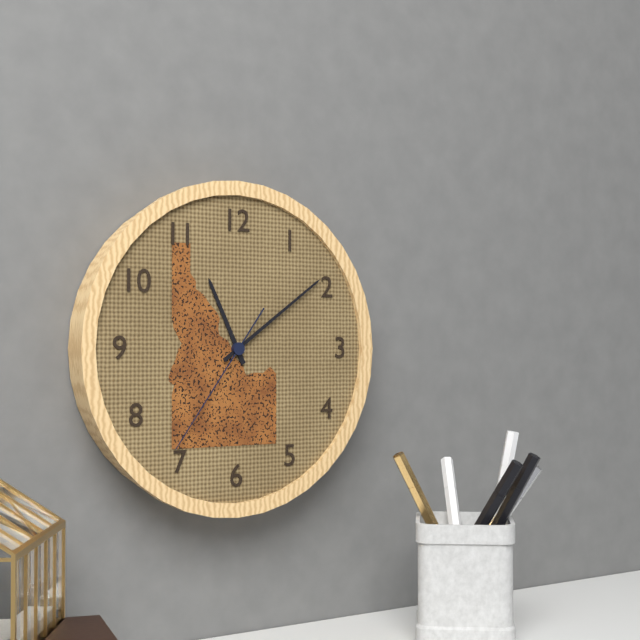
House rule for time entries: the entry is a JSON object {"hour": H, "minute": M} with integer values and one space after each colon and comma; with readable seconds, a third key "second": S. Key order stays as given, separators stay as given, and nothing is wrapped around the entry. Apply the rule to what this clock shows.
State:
{"hour": 11, "minute": 9, "second": 36}
